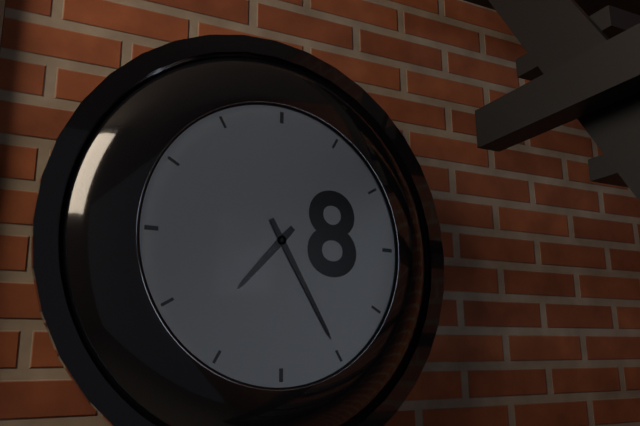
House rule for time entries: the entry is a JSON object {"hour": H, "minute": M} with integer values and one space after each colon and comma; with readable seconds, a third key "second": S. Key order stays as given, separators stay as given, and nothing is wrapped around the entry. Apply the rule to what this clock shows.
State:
{"hour": 7, "minute": 25}
